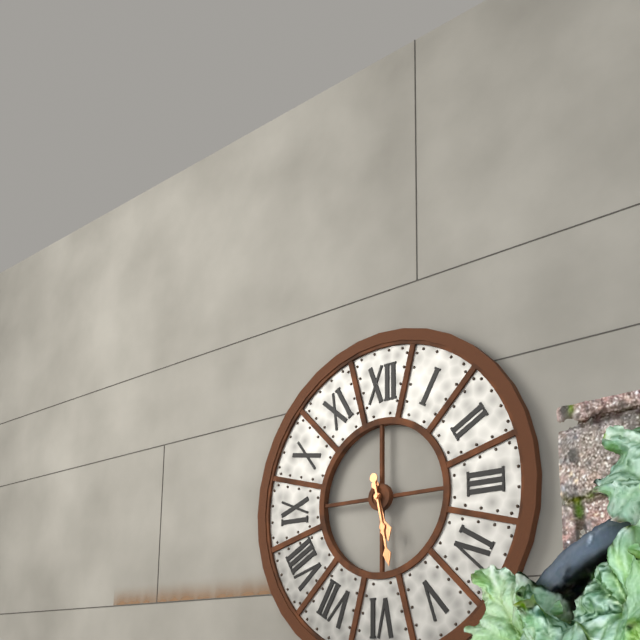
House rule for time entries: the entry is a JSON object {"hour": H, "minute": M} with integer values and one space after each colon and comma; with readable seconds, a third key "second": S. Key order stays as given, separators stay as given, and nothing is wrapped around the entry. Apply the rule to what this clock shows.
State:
{"hour": 5, "minute": 28}
